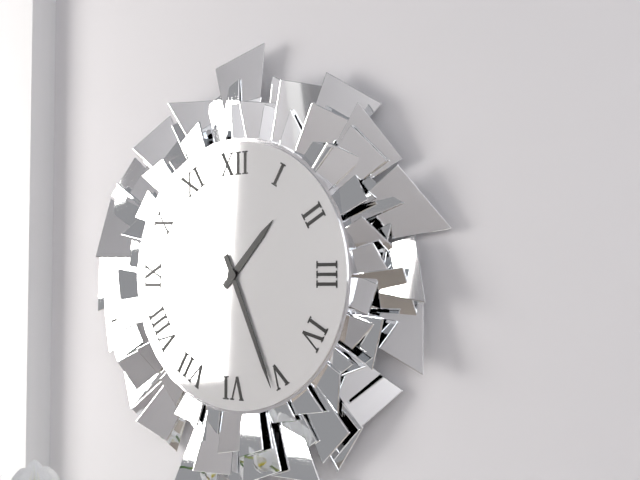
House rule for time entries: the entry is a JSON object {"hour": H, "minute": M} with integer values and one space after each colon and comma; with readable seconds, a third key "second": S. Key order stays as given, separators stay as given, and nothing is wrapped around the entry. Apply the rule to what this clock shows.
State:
{"hour": 1, "minute": 26}
